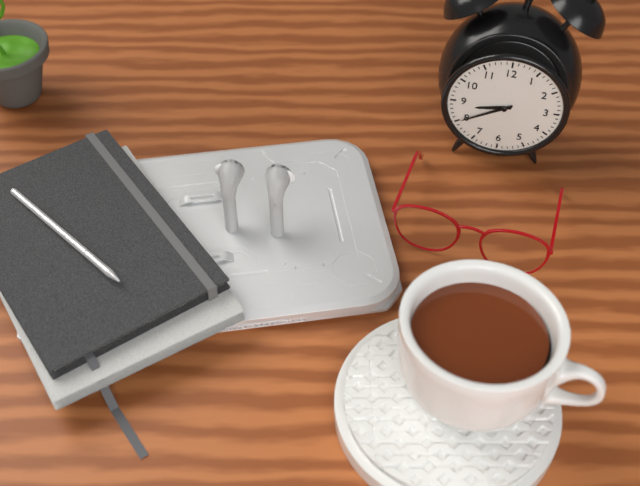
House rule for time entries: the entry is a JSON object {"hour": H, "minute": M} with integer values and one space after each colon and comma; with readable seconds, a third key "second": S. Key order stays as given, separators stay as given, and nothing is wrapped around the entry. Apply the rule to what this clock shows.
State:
{"hour": 8, "minute": 40}
